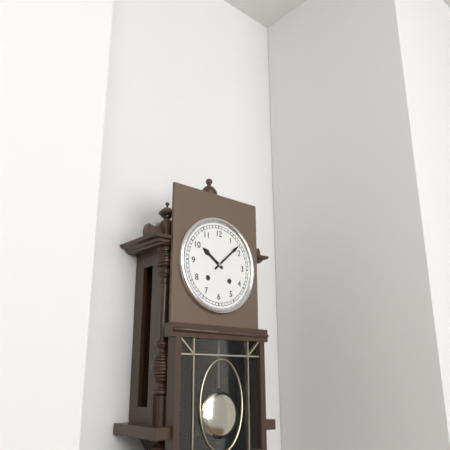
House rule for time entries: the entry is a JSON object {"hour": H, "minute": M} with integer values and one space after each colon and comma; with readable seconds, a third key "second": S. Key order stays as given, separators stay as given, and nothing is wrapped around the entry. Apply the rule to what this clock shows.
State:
{"hour": 10, "minute": 8}
